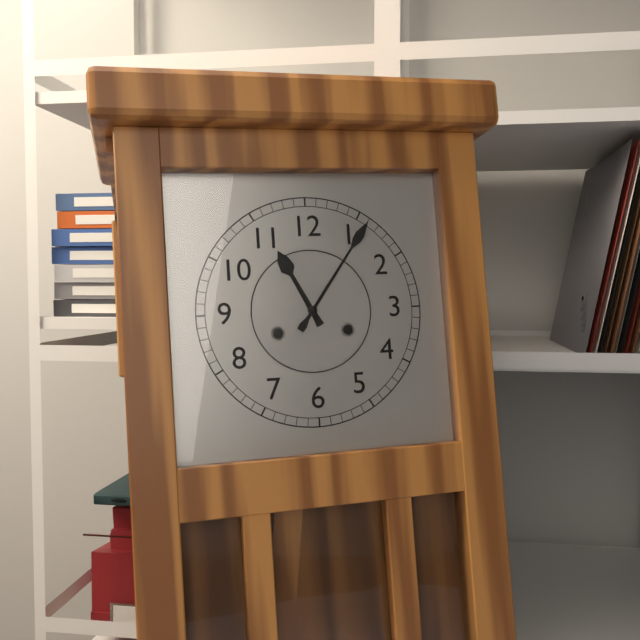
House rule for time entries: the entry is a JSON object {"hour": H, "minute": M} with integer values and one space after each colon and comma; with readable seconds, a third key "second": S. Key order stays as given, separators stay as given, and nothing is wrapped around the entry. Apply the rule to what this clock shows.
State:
{"hour": 11, "minute": 6}
